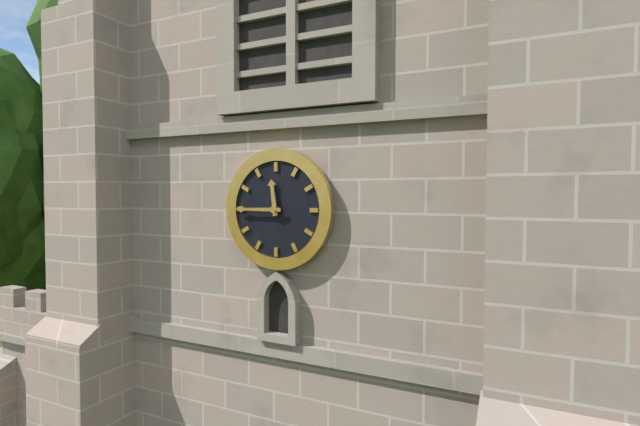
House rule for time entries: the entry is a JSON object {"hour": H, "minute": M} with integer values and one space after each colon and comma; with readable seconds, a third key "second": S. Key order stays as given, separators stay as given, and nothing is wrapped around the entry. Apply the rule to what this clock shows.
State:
{"hour": 11, "minute": 45}
